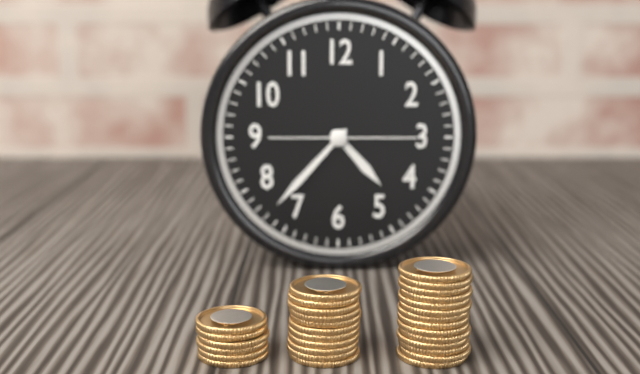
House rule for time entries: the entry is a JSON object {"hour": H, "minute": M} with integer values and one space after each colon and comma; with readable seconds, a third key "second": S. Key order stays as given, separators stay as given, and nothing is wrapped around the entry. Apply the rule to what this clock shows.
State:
{"hour": 4, "minute": 37, "second": 15}
